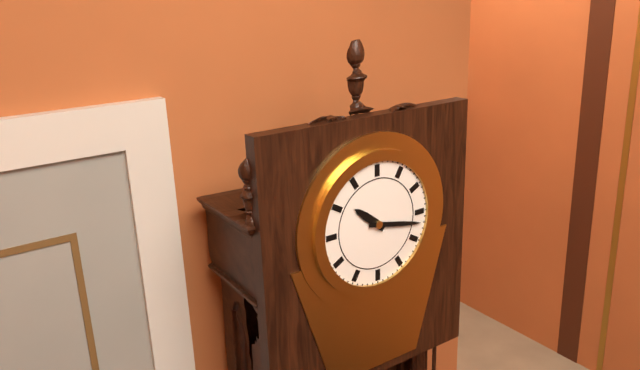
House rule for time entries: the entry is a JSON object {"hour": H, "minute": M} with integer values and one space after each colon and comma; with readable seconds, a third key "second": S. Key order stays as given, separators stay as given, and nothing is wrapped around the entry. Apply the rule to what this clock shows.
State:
{"hour": 10, "minute": 17}
